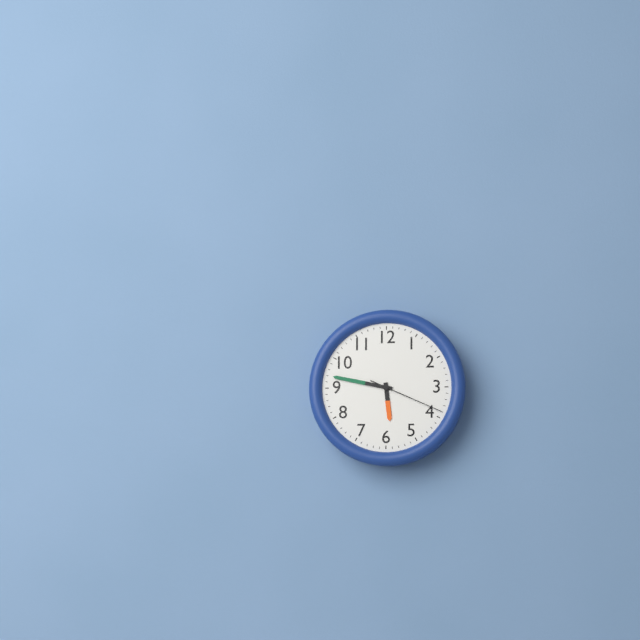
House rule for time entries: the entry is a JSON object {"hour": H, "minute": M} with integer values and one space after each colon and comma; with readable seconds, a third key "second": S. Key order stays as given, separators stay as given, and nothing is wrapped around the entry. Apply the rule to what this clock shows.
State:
{"hour": 5, "minute": 47, "second": 19}
